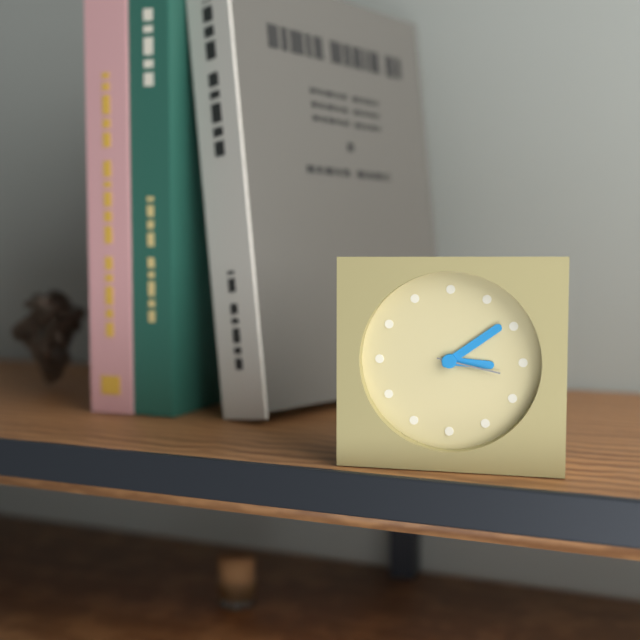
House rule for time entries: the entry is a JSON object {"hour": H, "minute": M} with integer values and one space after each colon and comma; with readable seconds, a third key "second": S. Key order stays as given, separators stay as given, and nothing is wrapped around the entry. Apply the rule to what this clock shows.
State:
{"hour": 3, "minute": 9, "second": 17}
